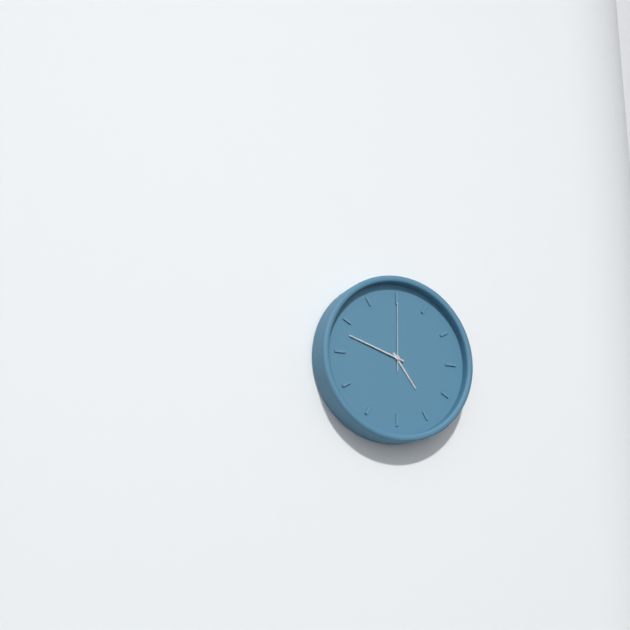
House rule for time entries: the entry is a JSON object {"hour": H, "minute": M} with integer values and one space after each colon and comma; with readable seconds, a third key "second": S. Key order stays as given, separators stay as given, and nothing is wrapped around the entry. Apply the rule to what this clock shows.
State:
{"hour": 4, "minute": 48, "second": 0}
